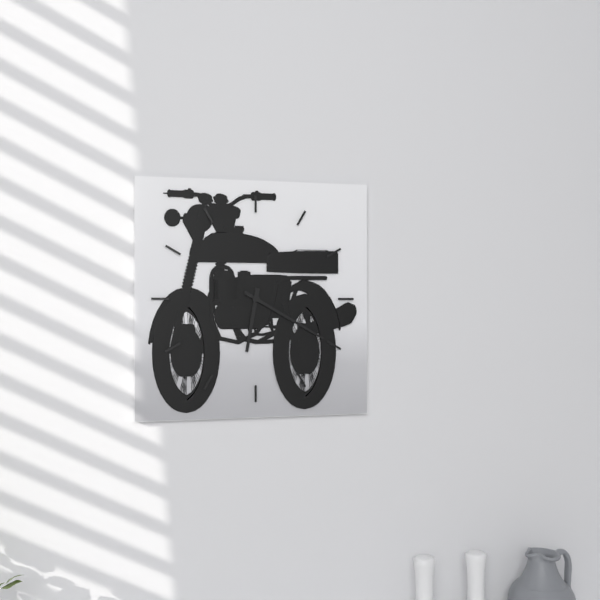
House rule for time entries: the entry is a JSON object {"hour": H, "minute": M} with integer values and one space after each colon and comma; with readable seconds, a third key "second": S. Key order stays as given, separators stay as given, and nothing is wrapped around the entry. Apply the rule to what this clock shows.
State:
{"hour": 6, "minute": 20}
